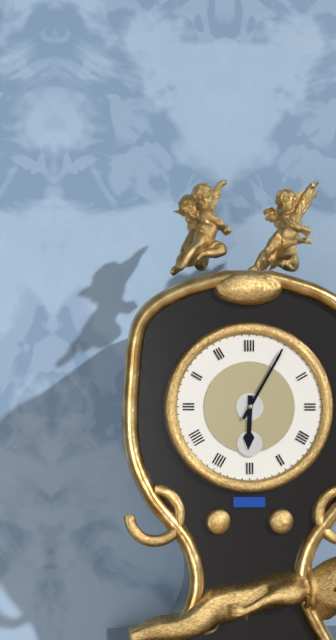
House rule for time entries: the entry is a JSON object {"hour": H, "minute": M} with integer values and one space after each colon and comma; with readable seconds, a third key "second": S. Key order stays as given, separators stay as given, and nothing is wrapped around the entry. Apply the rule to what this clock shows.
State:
{"hour": 6, "minute": 5}
